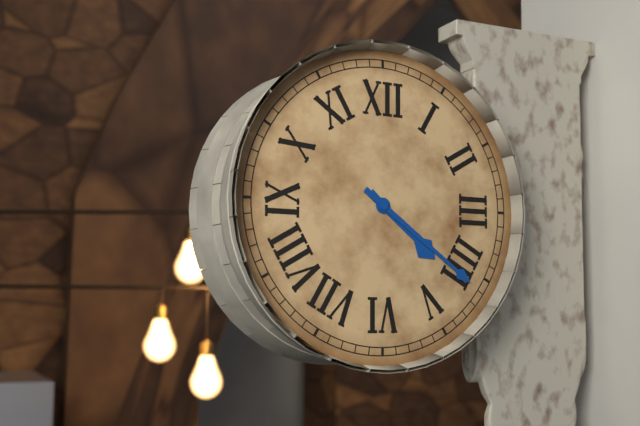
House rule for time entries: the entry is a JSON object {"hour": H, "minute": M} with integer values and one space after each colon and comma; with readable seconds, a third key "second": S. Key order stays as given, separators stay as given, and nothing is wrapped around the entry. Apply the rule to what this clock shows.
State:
{"hour": 4, "minute": 21}
